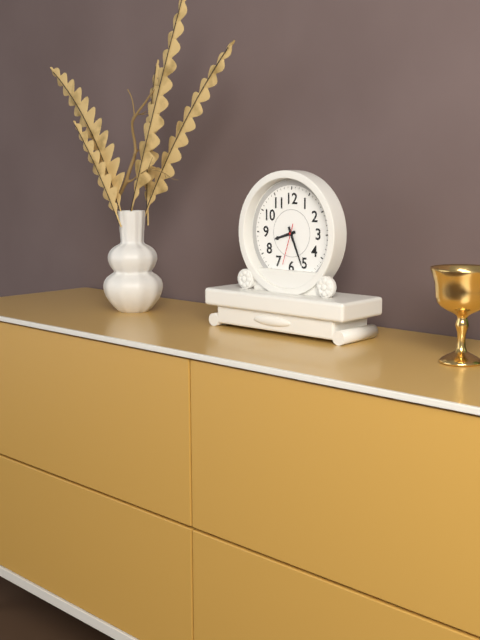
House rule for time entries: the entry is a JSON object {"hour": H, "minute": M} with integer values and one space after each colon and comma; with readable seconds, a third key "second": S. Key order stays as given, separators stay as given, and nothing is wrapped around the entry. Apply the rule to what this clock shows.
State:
{"hour": 8, "minute": 26}
